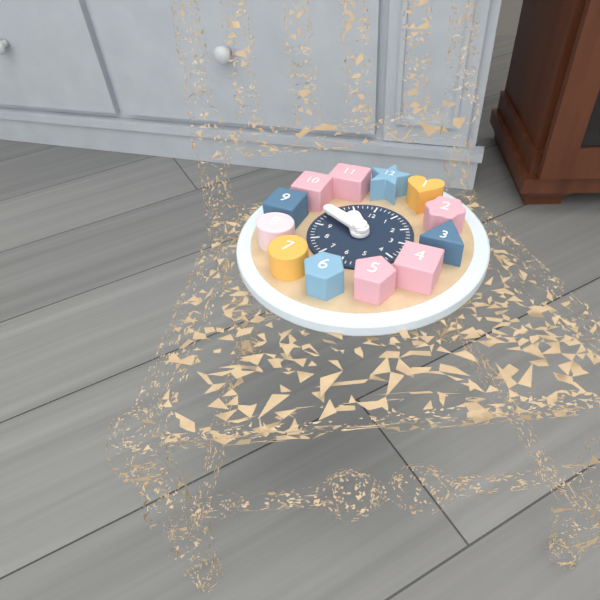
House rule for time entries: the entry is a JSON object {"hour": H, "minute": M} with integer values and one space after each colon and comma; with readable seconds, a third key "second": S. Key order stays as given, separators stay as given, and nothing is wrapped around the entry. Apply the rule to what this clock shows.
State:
{"hour": 10, "minute": 49}
